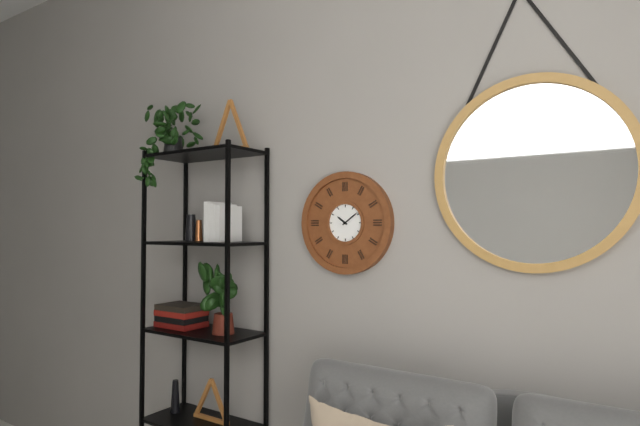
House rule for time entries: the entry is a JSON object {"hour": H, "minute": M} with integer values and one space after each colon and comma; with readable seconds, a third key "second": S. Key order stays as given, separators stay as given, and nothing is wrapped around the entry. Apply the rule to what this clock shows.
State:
{"hour": 10, "minute": 9}
